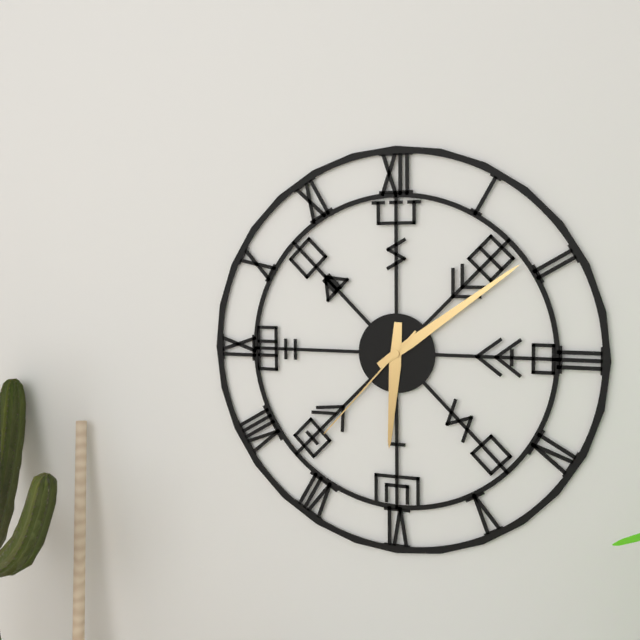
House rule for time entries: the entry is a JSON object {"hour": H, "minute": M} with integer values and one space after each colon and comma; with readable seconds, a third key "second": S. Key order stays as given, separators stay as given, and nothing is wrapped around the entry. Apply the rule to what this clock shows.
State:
{"hour": 6, "minute": 9, "second": 37}
